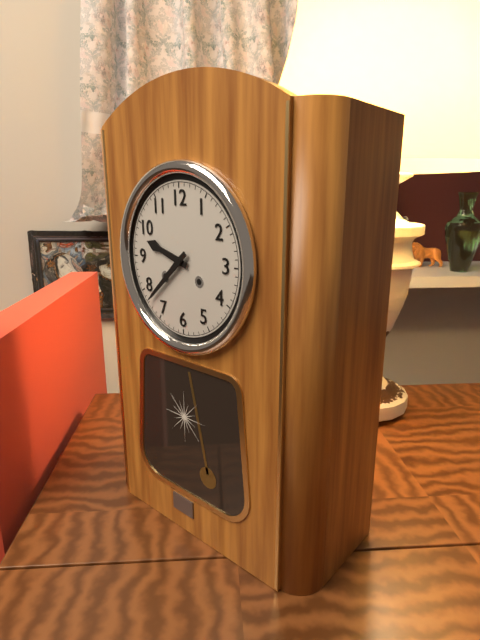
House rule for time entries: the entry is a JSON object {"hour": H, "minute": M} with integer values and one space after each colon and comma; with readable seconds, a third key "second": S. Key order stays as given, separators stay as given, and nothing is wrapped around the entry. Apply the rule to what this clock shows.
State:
{"hour": 9, "minute": 38}
